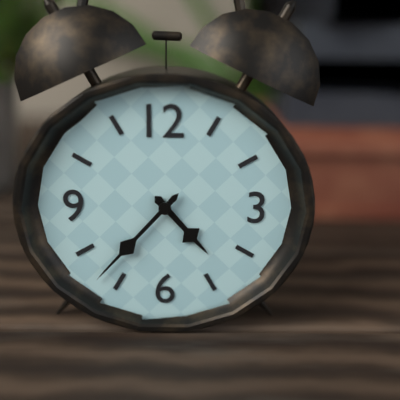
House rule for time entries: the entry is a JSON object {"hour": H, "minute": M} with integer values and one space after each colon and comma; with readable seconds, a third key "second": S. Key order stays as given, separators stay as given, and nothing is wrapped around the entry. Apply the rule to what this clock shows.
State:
{"hour": 4, "minute": 37}
